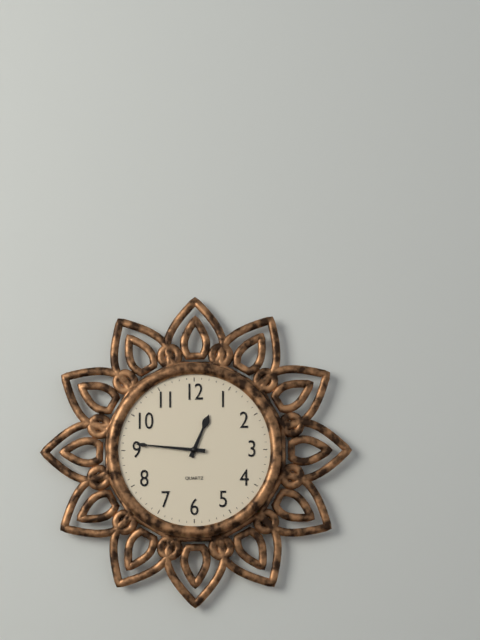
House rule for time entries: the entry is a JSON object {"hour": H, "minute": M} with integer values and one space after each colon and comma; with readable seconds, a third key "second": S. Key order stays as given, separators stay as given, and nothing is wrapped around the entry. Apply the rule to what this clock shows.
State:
{"hour": 12, "minute": 46}
